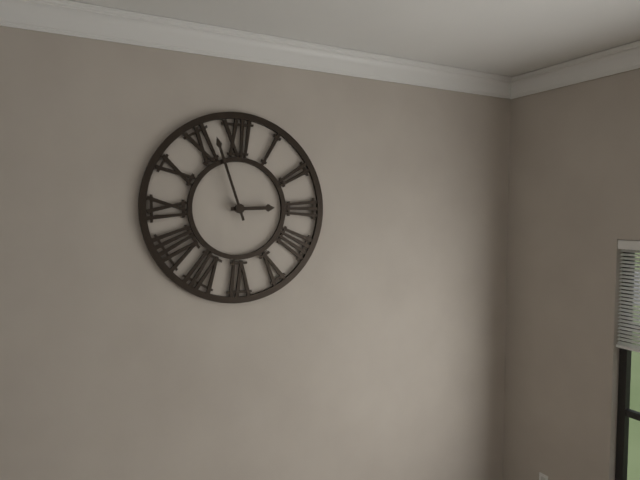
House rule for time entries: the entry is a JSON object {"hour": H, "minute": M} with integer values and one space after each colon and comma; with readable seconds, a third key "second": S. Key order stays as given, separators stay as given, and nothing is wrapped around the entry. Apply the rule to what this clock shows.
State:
{"hour": 2, "minute": 57}
